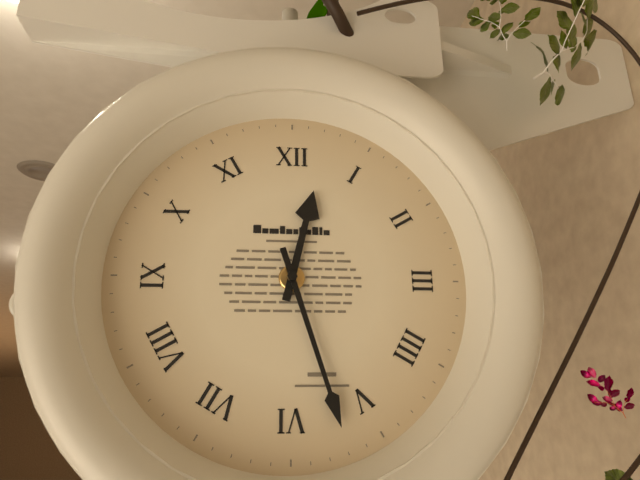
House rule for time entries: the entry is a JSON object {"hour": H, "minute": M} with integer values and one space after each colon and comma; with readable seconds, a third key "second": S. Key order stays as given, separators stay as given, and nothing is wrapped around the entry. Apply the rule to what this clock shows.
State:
{"hour": 12, "minute": 27}
